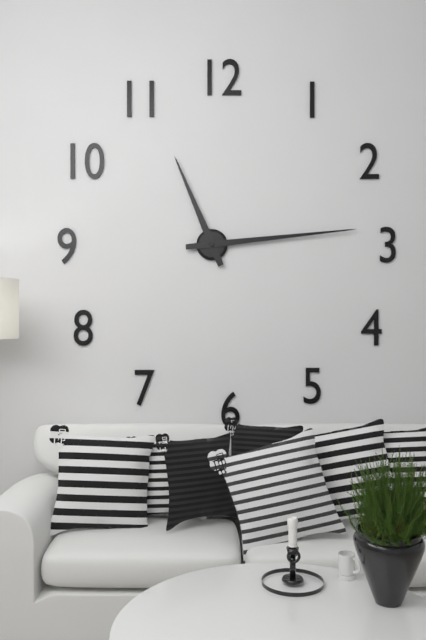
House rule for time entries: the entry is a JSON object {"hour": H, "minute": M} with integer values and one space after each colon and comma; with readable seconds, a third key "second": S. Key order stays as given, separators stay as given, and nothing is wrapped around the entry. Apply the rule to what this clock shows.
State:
{"hour": 11, "minute": 14}
